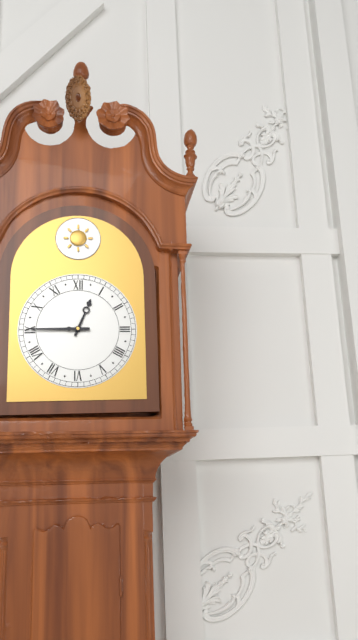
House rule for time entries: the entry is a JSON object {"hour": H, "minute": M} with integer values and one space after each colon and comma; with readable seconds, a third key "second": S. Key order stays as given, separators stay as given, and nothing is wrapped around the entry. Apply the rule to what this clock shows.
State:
{"hour": 12, "minute": 45}
